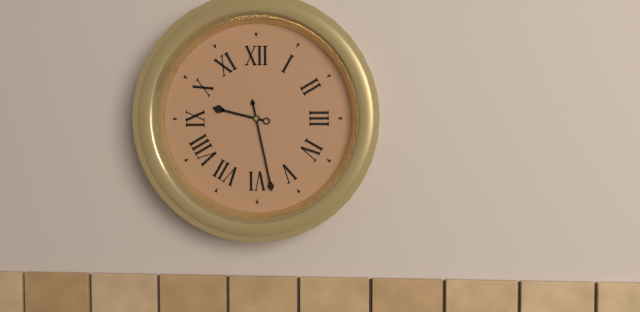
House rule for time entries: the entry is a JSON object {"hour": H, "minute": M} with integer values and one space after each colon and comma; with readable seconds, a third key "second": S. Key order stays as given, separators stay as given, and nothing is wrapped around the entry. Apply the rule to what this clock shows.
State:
{"hour": 9, "minute": 28}
